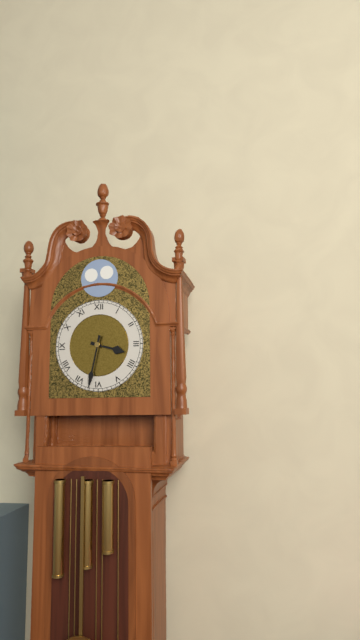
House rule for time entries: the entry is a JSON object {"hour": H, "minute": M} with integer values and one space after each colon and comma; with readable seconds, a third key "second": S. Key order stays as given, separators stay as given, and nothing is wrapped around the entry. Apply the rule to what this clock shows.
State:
{"hour": 3, "minute": 32}
